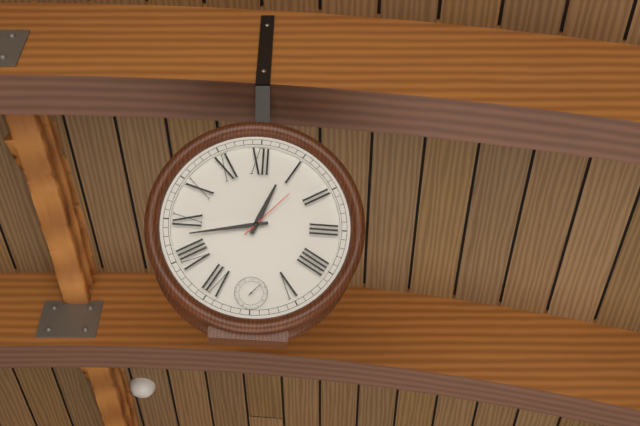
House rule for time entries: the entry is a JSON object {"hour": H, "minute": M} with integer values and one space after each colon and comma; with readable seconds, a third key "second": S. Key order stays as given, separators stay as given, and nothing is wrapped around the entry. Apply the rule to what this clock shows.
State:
{"hour": 12, "minute": 43, "second": 7}
